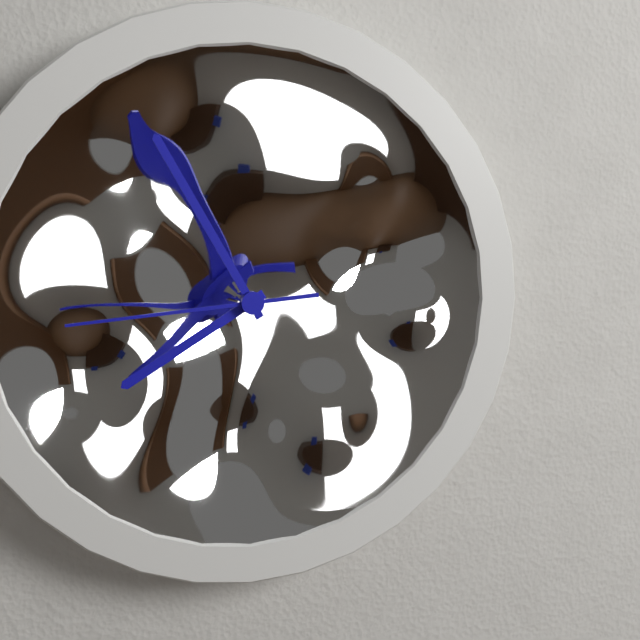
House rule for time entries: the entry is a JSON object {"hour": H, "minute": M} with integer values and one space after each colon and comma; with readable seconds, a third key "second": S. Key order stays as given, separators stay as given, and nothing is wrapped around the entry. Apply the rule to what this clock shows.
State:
{"hour": 7, "minute": 55, "second": 44}
